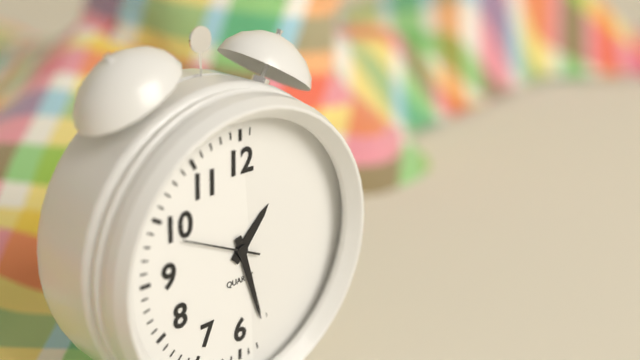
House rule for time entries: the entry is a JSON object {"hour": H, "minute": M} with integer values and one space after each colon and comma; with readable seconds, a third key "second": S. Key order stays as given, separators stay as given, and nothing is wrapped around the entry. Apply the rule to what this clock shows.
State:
{"hour": 1, "minute": 27, "second": 49}
